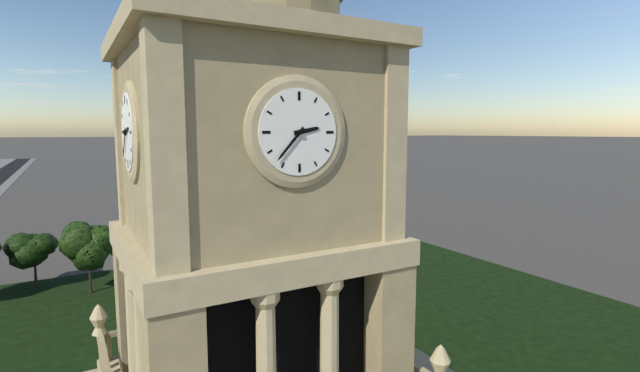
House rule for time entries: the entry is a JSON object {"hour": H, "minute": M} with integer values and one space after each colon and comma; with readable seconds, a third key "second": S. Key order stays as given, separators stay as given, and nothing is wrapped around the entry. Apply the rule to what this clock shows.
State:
{"hour": 2, "minute": 37}
